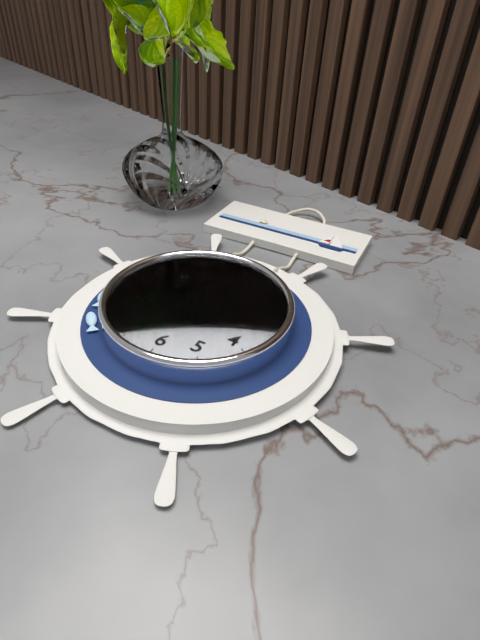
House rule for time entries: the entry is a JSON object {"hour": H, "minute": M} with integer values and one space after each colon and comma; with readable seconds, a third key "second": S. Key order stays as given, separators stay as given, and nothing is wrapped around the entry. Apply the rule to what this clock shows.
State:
{"hour": 2, "minute": 52, "second": 0}
